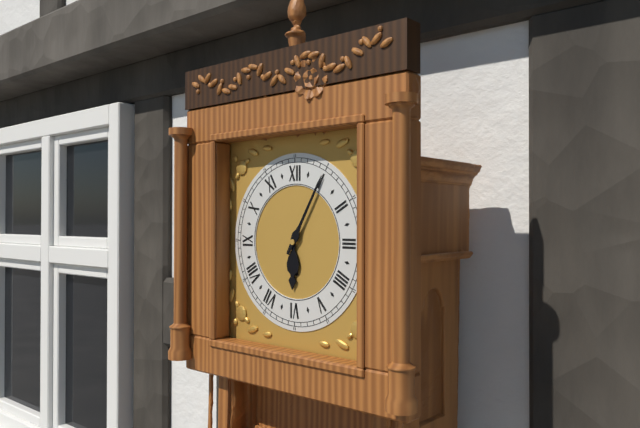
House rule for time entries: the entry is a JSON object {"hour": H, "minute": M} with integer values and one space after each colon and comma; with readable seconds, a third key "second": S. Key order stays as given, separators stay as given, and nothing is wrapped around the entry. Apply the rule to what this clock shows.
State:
{"hour": 6, "minute": 5}
